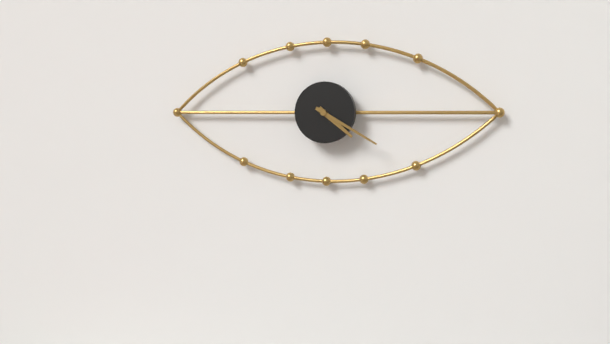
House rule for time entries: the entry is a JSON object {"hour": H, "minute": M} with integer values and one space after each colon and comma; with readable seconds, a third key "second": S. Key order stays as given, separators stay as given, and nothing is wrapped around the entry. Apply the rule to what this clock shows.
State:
{"hour": 4, "minute": 20}
